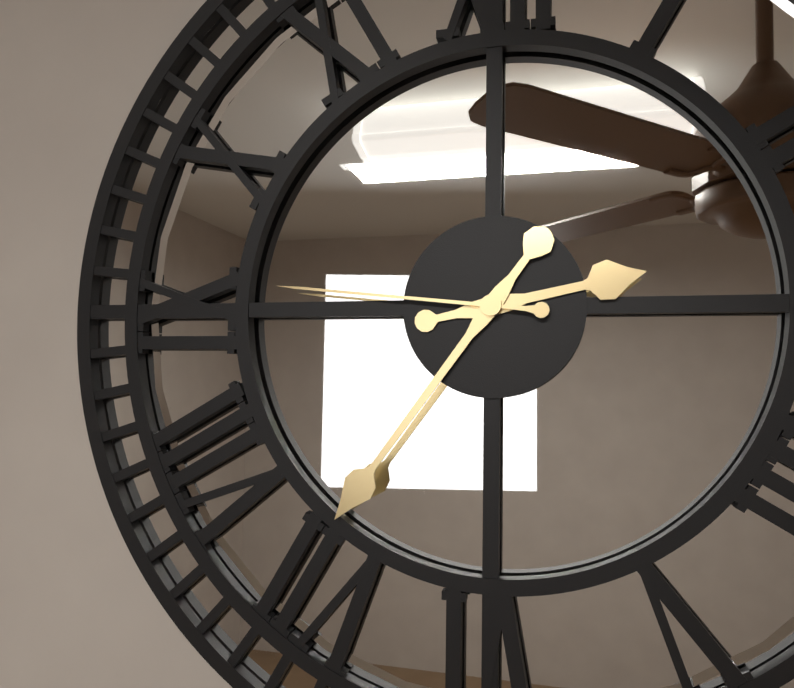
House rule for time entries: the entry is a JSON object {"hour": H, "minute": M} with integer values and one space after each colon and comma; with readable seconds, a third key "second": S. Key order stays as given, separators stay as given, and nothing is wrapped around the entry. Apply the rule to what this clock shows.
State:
{"hour": 2, "minute": 36, "second": 46}
